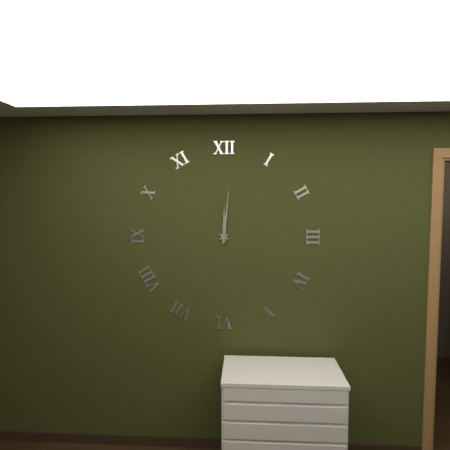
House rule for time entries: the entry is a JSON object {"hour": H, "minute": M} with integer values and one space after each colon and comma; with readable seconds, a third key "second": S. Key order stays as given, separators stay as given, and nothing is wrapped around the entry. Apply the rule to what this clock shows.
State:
{"hour": 12, "minute": 1}
